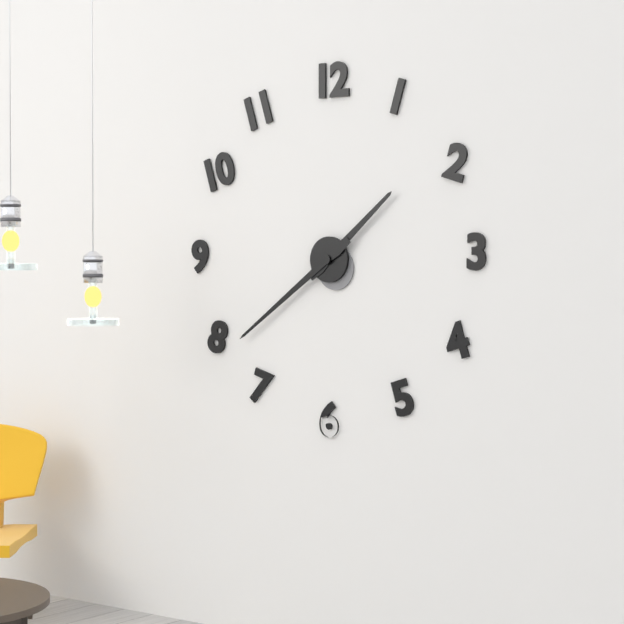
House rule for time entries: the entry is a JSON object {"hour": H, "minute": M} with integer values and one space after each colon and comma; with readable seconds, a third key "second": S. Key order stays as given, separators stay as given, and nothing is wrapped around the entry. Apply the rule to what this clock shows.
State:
{"hour": 1, "minute": 39}
